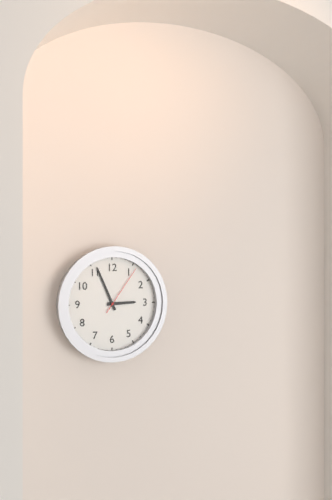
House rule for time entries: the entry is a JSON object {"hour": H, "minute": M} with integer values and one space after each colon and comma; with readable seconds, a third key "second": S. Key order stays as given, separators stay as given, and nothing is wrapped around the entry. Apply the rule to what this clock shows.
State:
{"hour": 2, "minute": 56, "second": 6}
